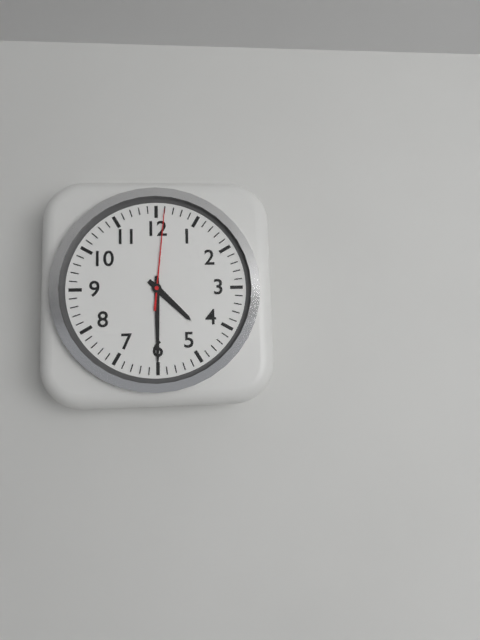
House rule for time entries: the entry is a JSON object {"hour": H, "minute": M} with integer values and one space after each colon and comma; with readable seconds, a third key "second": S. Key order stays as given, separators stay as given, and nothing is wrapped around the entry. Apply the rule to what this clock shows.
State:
{"hour": 4, "minute": 30, "second": 1}
